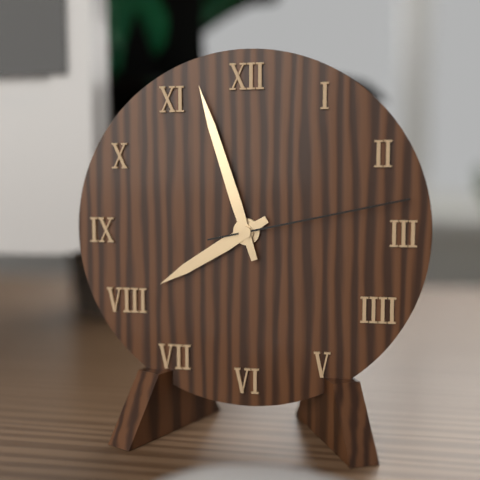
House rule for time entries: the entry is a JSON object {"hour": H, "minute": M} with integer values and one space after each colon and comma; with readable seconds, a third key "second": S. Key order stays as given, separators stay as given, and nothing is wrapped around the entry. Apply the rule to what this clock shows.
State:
{"hour": 7, "minute": 57, "second": 13}
